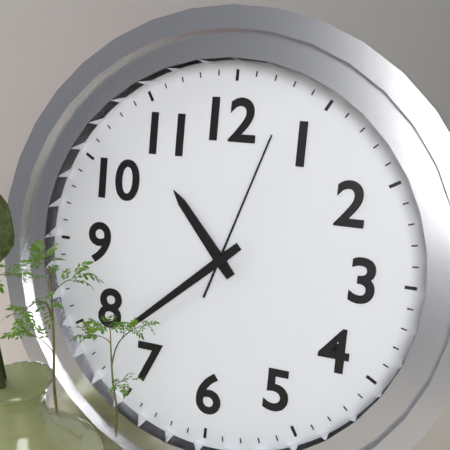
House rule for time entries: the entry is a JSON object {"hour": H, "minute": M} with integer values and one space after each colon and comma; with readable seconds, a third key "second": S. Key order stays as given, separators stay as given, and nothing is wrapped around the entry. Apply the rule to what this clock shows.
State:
{"hour": 10, "minute": 38, "second": 3}
